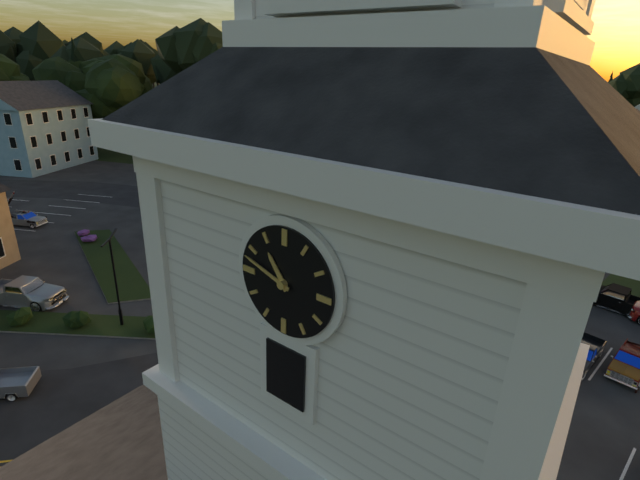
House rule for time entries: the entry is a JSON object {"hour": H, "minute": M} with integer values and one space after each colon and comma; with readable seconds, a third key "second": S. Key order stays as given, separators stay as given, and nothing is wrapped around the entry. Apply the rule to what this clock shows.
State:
{"hour": 10, "minute": 48}
